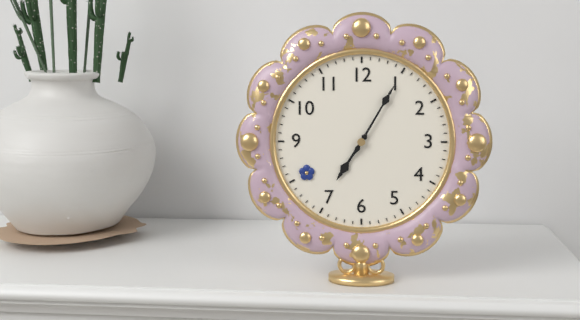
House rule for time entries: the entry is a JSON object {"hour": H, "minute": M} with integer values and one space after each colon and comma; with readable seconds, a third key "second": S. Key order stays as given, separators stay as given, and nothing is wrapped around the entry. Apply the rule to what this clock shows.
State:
{"hour": 7, "minute": 5}
